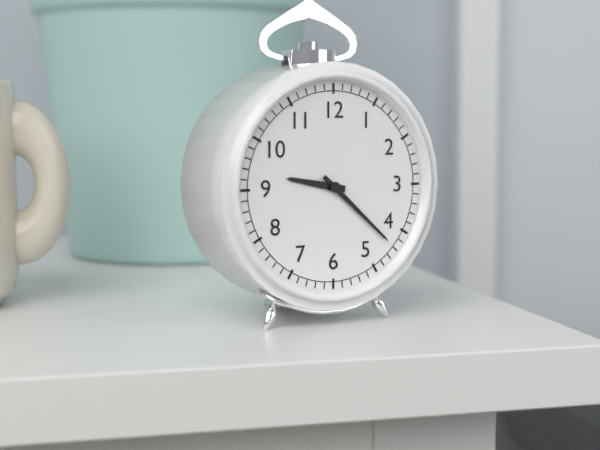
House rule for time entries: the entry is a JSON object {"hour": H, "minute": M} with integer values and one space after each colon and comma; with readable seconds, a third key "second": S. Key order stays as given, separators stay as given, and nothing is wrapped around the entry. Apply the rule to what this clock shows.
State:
{"hour": 9, "minute": 22}
